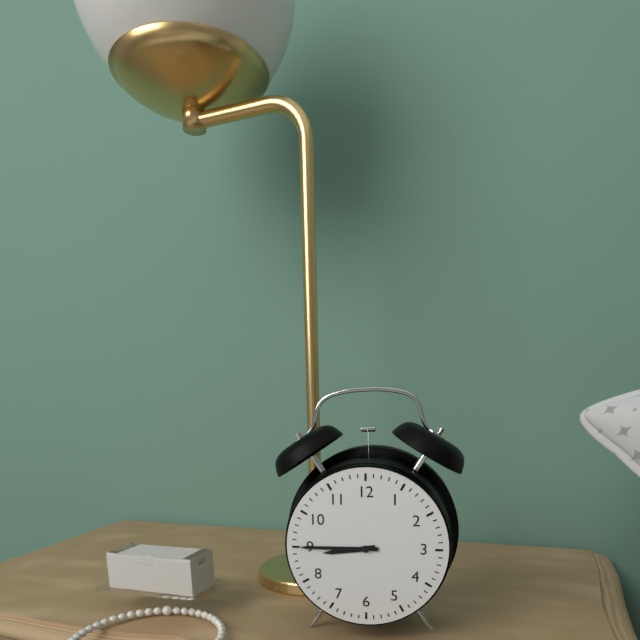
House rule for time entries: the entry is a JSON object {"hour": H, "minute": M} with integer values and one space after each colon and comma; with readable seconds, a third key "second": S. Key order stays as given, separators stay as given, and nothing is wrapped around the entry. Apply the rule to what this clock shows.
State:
{"hour": 8, "minute": 45}
